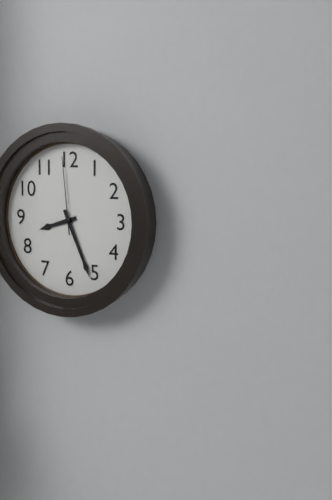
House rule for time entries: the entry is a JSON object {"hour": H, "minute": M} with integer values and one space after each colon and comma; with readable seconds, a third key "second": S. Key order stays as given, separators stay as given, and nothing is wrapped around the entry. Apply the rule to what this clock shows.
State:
{"hour": 8, "minute": 26, "second": 59}
